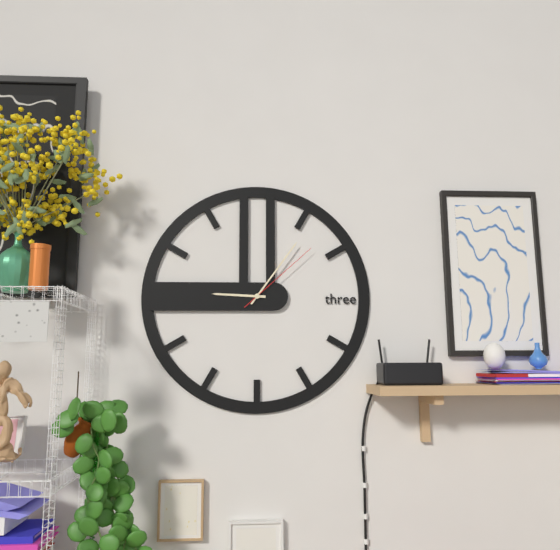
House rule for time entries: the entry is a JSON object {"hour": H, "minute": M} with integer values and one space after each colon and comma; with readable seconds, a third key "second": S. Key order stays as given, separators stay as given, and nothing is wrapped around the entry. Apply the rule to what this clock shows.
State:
{"hour": 9, "minute": 6, "second": 8}
